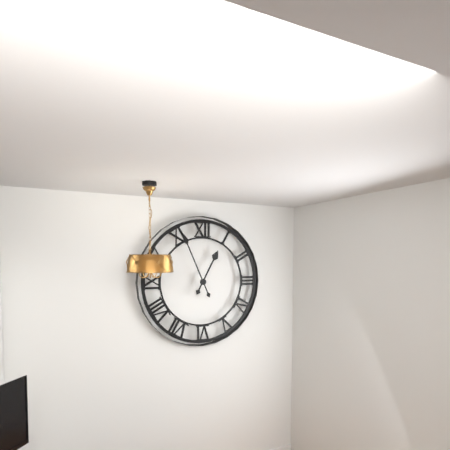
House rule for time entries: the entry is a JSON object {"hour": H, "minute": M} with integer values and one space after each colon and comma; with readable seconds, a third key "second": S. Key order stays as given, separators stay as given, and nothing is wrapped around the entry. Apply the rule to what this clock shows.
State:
{"hour": 12, "minute": 56}
